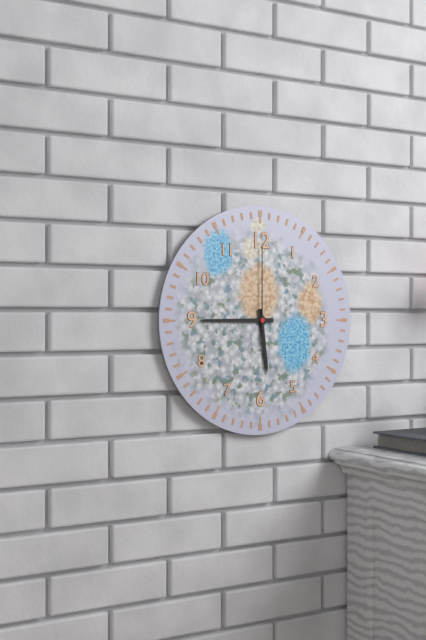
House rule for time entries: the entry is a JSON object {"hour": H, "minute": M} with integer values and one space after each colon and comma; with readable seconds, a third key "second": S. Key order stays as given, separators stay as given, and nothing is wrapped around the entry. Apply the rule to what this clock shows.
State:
{"hour": 5, "minute": 45, "second": 0}
